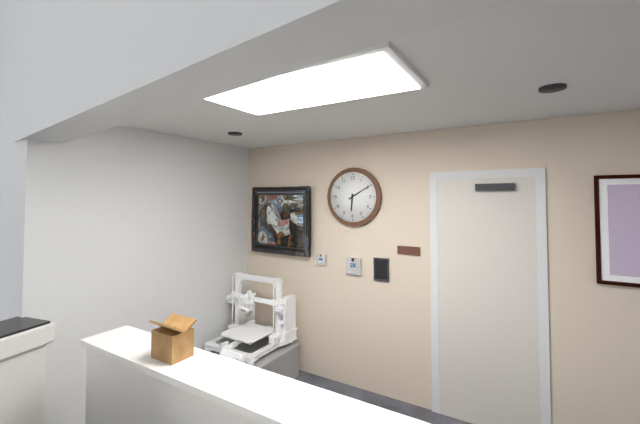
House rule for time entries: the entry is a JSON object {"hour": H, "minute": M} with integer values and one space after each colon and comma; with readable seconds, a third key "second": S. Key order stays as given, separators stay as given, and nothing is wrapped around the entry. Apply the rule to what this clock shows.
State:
{"hour": 6, "minute": 10}
